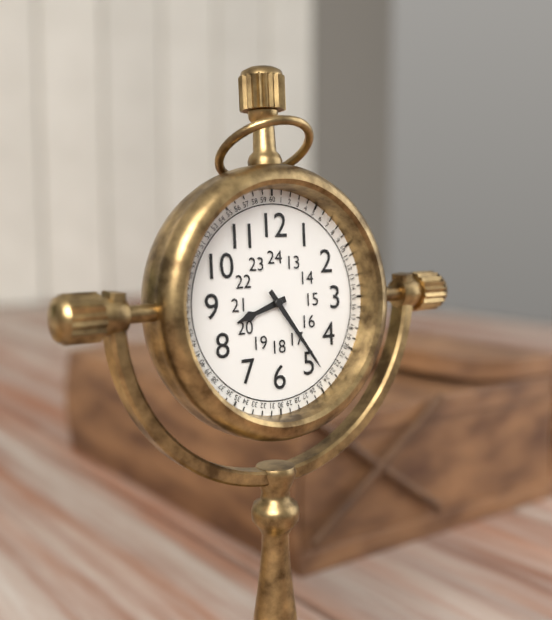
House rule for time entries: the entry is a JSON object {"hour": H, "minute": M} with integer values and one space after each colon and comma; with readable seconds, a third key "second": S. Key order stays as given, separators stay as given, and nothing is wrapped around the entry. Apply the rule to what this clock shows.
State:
{"hour": 8, "minute": 24}
